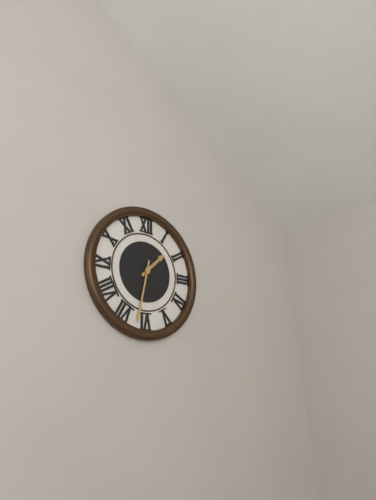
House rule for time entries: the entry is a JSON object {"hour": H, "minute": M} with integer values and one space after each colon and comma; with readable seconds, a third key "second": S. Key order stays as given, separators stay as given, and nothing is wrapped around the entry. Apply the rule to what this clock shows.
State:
{"hour": 1, "minute": 32}
